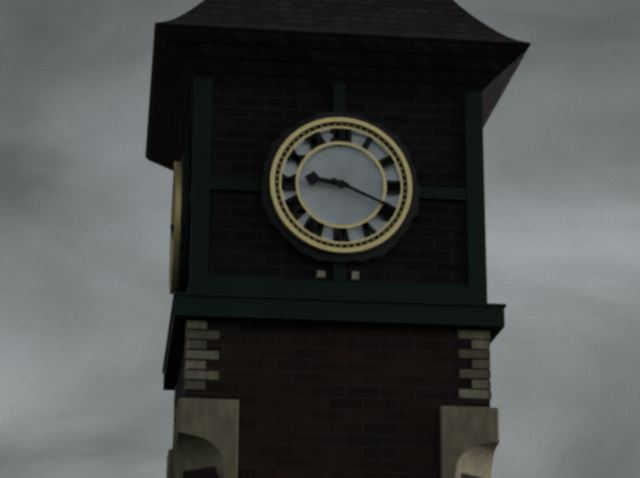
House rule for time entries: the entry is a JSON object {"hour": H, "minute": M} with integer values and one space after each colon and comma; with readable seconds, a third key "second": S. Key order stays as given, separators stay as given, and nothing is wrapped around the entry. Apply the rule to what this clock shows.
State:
{"hour": 9, "minute": 19}
